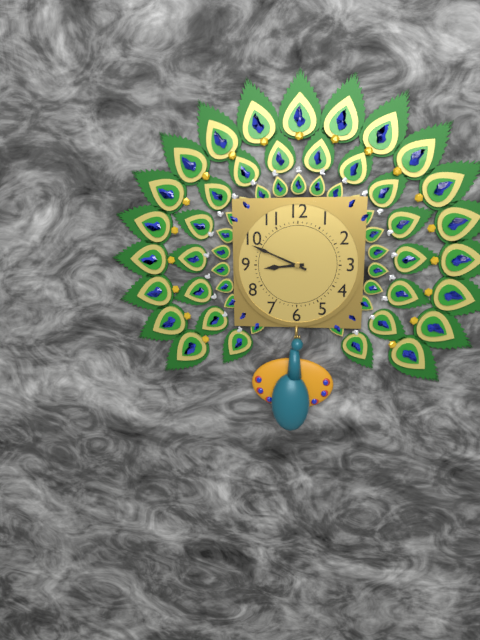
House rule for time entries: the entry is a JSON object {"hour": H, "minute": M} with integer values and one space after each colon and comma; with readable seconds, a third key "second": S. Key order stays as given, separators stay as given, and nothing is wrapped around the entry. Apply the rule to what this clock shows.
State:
{"hour": 8, "minute": 49}
